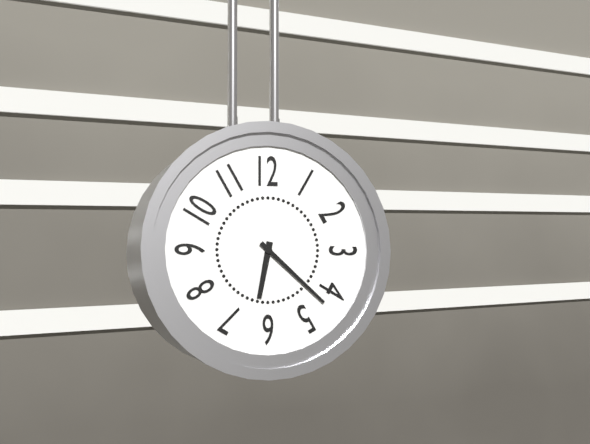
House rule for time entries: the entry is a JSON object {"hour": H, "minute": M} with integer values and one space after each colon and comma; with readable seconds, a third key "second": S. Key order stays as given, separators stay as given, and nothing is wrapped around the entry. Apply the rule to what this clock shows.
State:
{"hour": 6, "minute": 22}
